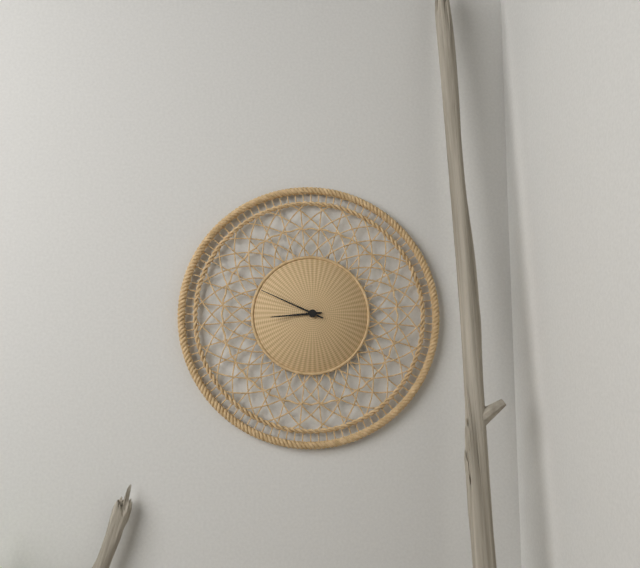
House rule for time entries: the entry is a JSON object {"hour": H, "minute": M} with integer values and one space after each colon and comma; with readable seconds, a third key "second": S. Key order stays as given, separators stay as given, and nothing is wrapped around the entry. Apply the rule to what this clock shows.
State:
{"hour": 8, "minute": 49}
